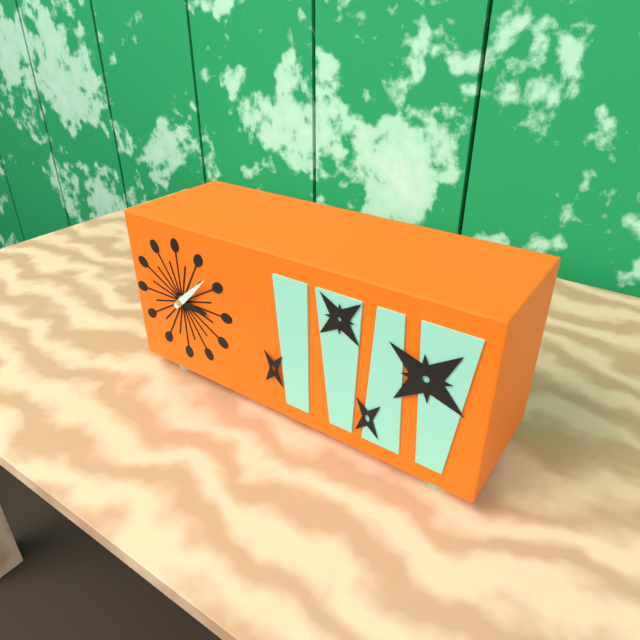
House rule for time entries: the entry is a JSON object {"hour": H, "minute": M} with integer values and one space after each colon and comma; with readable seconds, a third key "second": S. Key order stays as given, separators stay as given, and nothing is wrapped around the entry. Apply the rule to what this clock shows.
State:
{"hour": 3, "minute": 8}
